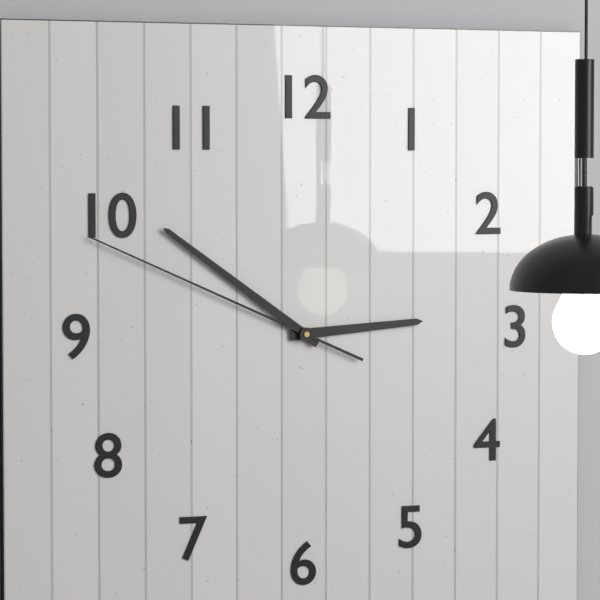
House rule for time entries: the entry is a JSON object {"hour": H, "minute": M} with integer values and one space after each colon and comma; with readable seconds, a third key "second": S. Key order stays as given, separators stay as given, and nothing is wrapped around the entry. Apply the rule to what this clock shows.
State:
{"hour": 2, "minute": 51, "second": 49}
